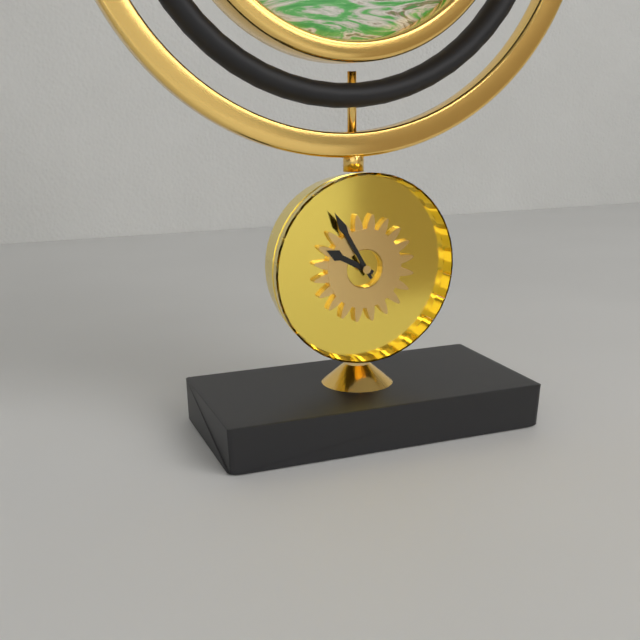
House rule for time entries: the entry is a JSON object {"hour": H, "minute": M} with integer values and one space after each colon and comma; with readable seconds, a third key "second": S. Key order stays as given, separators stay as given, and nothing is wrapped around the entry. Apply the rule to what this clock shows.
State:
{"hour": 9, "minute": 55}
